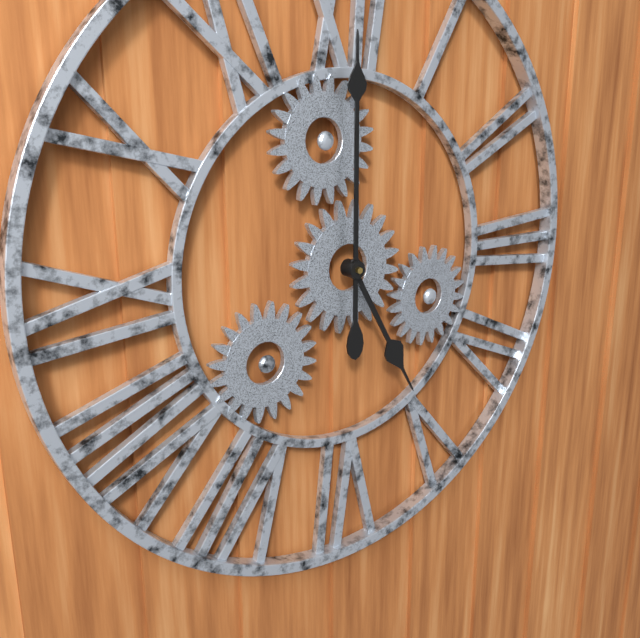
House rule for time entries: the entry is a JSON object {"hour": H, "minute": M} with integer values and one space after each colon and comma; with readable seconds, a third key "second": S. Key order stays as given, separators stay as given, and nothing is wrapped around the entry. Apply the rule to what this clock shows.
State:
{"hour": 5, "minute": 0}
